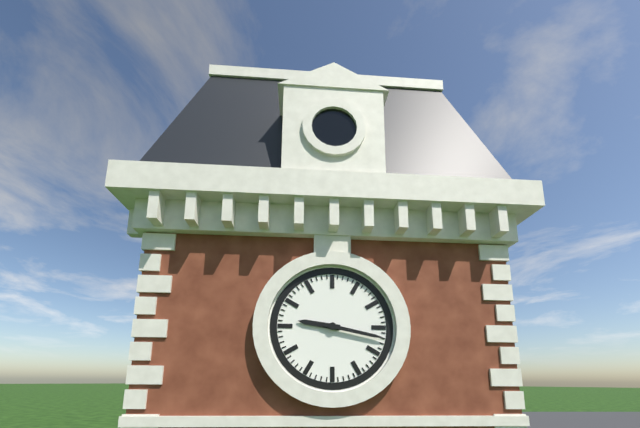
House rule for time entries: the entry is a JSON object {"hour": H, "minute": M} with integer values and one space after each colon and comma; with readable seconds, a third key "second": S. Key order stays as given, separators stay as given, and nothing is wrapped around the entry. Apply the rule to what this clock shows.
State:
{"hour": 9, "minute": 17}
